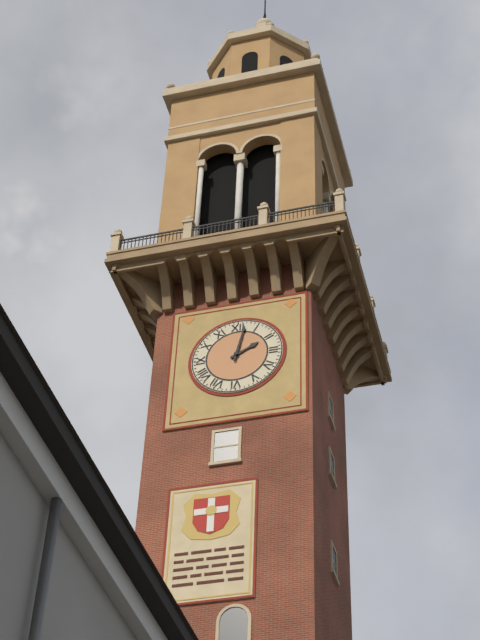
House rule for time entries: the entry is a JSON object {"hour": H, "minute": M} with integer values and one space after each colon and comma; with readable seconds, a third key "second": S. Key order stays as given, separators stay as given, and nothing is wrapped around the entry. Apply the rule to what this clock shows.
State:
{"hour": 2, "minute": 2}
